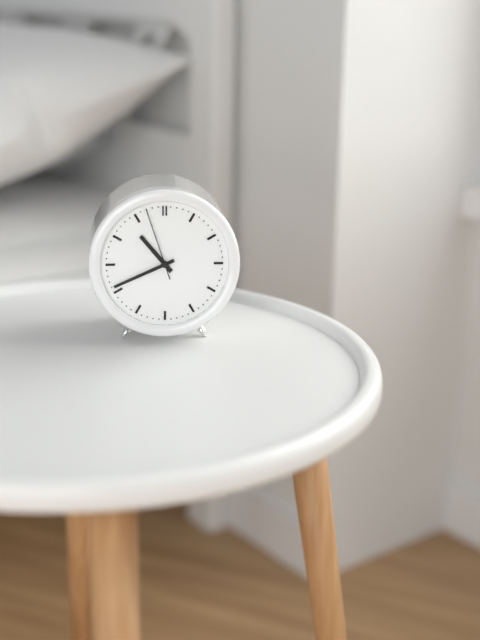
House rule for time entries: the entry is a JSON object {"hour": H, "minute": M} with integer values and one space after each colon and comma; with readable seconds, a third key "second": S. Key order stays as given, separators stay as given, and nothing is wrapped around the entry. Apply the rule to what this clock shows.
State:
{"hour": 10, "minute": 41, "second": 57}
